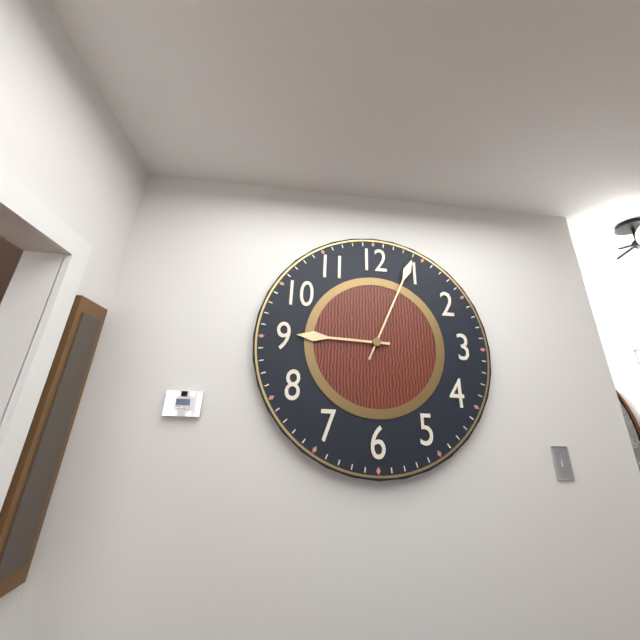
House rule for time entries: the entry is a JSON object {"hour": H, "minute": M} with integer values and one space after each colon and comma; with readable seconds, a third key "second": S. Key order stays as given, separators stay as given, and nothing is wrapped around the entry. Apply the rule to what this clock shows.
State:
{"hour": 9, "minute": 4}
